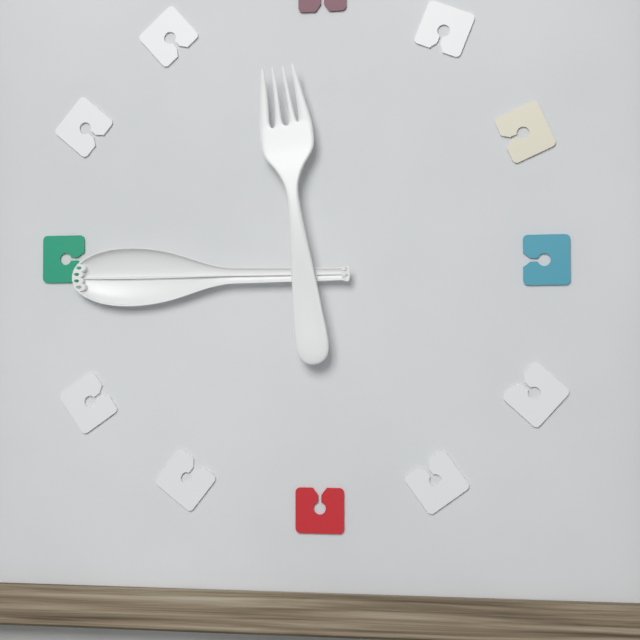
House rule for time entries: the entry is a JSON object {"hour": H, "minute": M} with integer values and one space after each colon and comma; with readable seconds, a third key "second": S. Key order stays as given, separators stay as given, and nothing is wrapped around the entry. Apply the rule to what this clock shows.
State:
{"hour": 11, "minute": 45}
